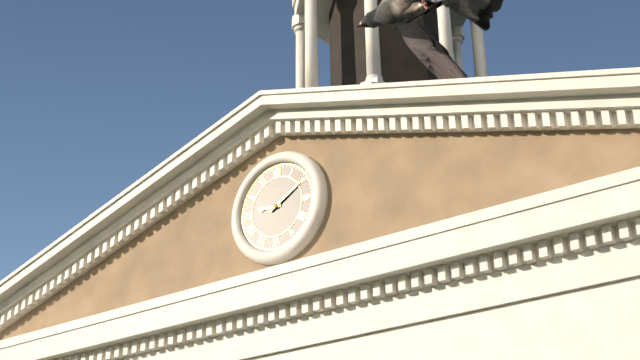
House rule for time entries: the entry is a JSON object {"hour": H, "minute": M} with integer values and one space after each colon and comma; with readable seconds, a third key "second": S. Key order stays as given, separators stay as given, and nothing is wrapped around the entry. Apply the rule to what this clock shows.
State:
{"hour": 9, "minute": 10}
